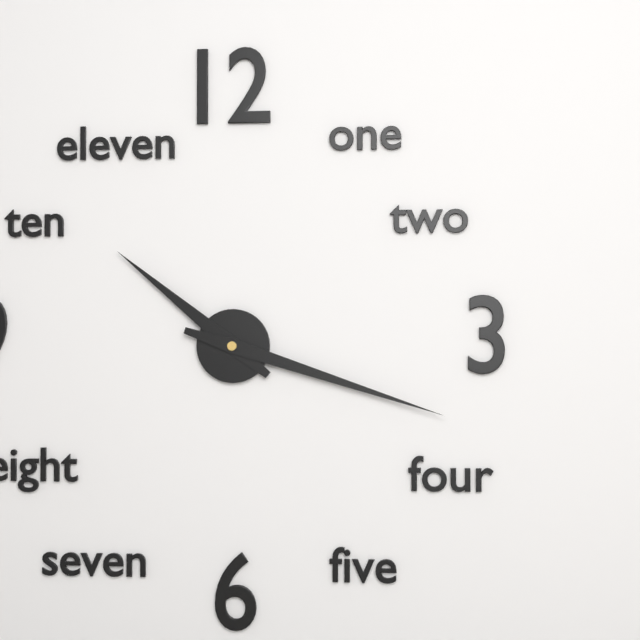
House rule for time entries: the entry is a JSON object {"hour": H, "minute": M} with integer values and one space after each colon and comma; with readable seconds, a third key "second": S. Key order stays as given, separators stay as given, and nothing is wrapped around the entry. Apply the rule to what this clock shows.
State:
{"hour": 10, "minute": 18}
